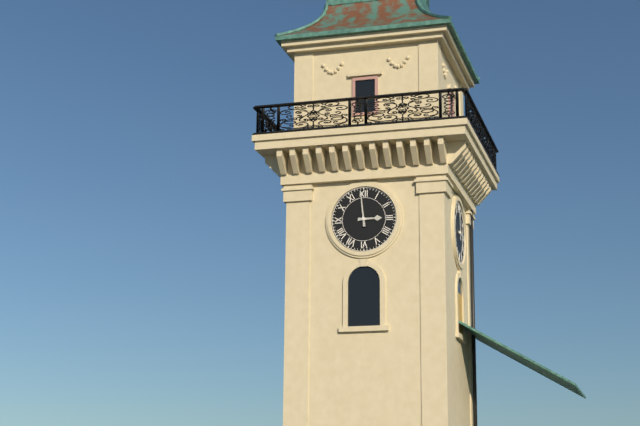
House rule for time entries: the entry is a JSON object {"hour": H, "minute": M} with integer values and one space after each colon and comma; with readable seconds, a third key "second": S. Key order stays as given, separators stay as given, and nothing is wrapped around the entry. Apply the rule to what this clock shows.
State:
{"hour": 2, "minute": 59}
